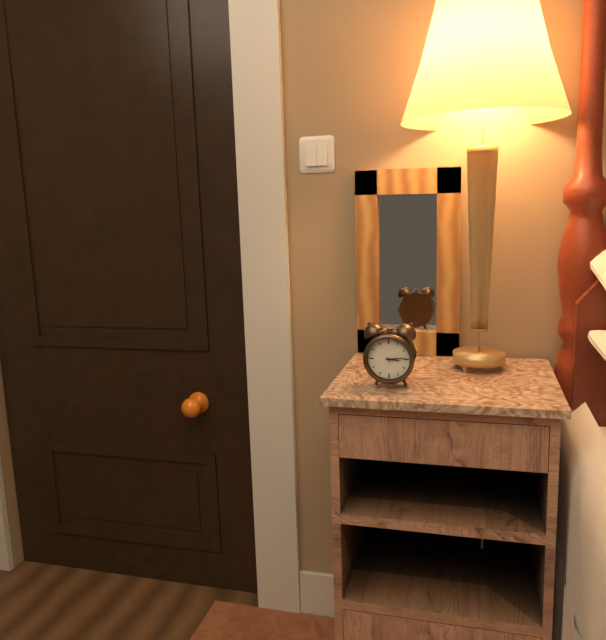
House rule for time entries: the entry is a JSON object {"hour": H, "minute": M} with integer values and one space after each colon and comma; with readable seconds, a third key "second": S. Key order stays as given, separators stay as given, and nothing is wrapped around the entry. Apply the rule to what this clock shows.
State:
{"hour": 3, "minute": 14}
